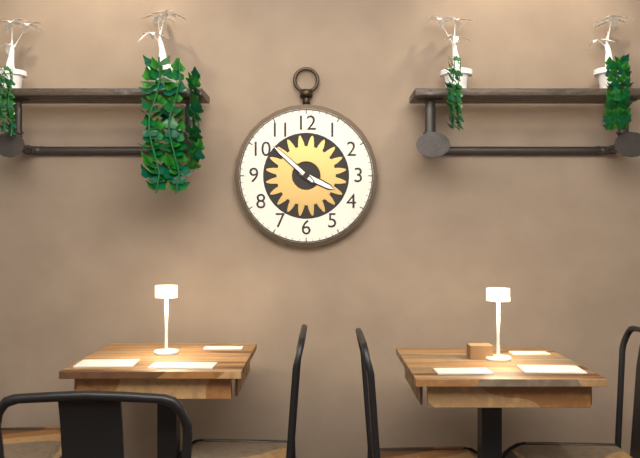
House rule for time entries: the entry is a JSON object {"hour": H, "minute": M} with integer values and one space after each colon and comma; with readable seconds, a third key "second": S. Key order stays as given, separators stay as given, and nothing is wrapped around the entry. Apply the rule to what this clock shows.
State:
{"hour": 3, "minute": 52}
